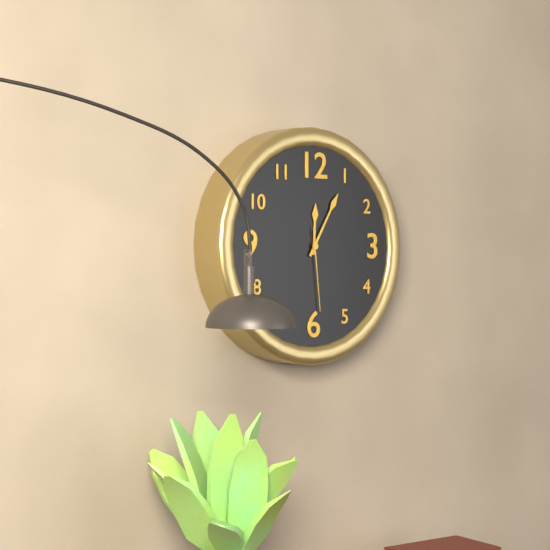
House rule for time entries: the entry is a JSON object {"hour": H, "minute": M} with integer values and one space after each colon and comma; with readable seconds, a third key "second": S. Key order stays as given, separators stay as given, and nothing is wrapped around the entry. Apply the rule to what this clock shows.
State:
{"hour": 12, "minute": 5, "second": 29}
